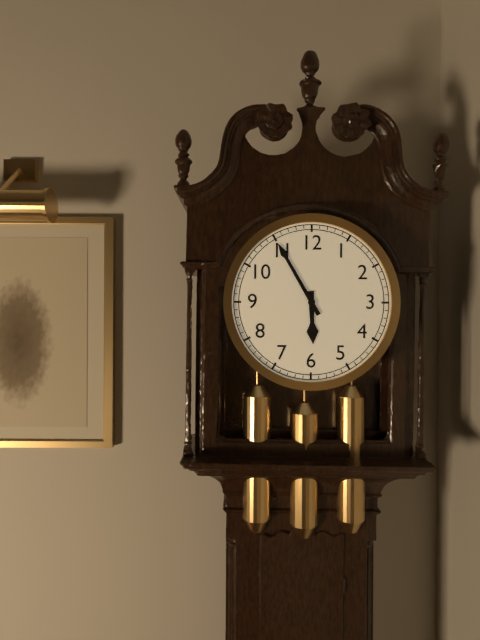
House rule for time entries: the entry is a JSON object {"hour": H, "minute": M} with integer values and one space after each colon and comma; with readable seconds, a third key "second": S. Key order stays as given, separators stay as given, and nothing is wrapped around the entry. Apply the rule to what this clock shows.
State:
{"hour": 5, "minute": 55}
